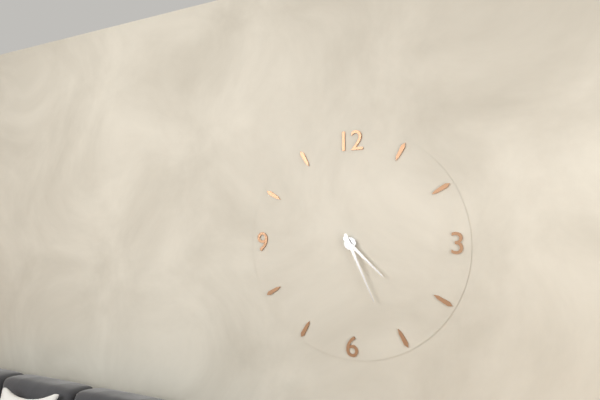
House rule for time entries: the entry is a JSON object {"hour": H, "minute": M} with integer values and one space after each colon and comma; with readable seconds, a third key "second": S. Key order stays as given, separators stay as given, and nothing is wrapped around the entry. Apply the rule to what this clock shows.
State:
{"hour": 4, "minute": 26}
